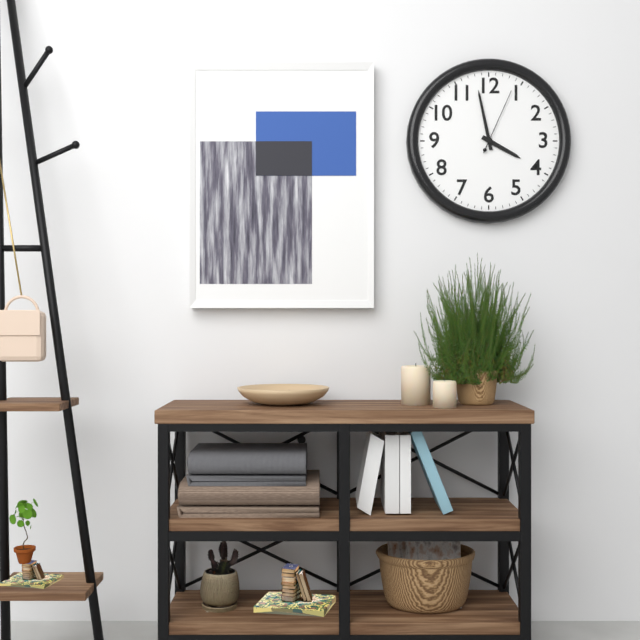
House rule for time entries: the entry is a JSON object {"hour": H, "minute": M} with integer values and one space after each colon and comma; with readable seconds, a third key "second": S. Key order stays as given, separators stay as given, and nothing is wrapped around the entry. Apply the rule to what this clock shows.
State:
{"hour": 3, "minute": 58, "second": 4}
